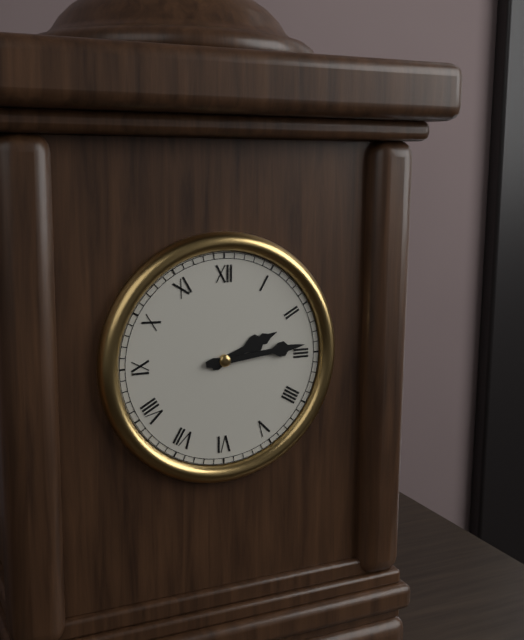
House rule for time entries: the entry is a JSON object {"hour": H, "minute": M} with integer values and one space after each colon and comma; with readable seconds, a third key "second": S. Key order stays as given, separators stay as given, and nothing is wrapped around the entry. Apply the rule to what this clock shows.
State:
{"hour": 2, "minute": 14}
